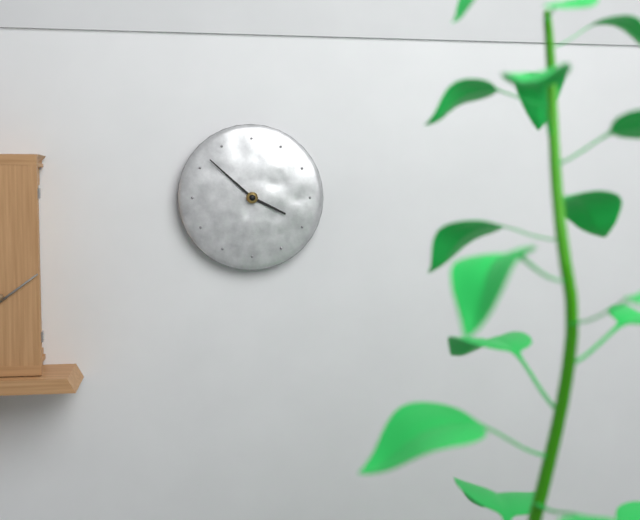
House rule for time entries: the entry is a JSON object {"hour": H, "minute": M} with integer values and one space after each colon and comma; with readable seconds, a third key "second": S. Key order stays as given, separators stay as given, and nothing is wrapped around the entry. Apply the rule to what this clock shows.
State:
{"hour": 3, "minute": 52}
